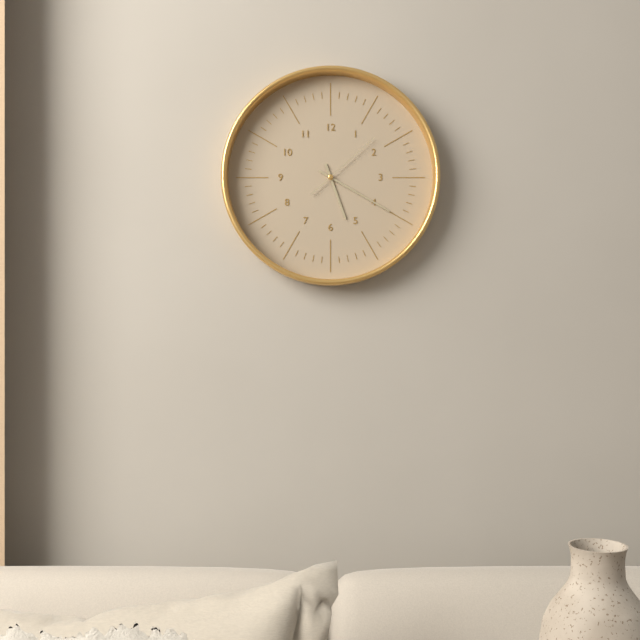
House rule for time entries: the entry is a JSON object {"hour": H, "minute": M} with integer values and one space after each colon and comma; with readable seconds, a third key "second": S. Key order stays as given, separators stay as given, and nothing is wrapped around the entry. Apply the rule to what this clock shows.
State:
{"hour": 5, "minute": 20, "second": 8}
